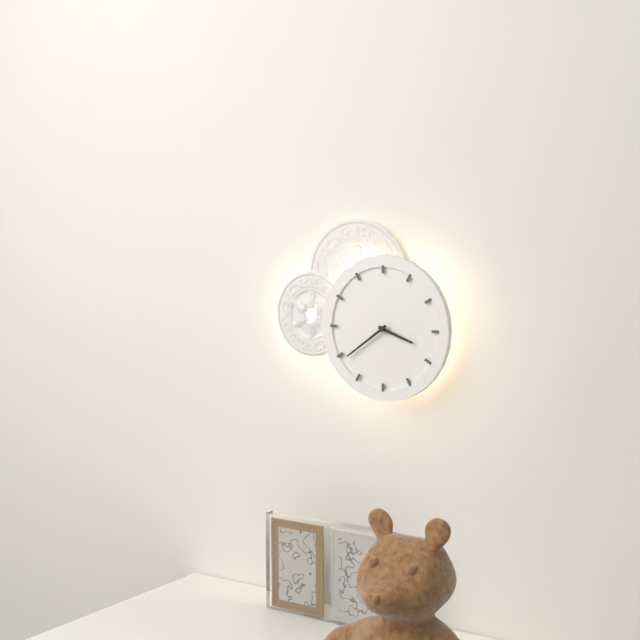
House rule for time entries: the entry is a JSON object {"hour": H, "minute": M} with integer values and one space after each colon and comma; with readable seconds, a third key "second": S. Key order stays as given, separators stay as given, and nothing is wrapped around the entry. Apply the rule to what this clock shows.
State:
{"hour": 3, "minute": 39}
